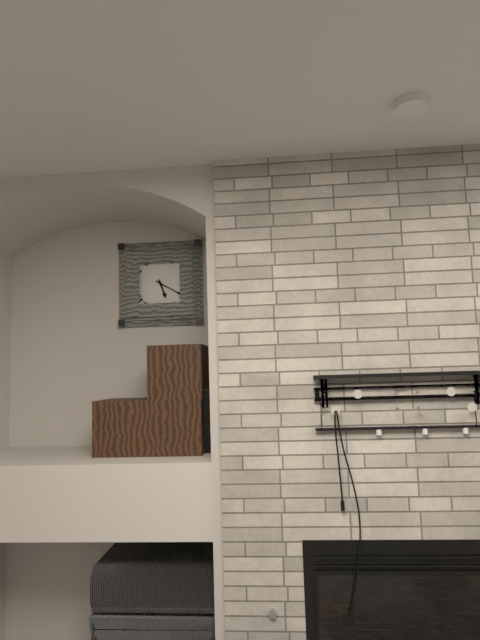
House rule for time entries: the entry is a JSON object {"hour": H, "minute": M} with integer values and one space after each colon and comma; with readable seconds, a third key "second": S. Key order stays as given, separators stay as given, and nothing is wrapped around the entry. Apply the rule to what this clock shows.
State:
{"hour": 5, "minute": 20}
